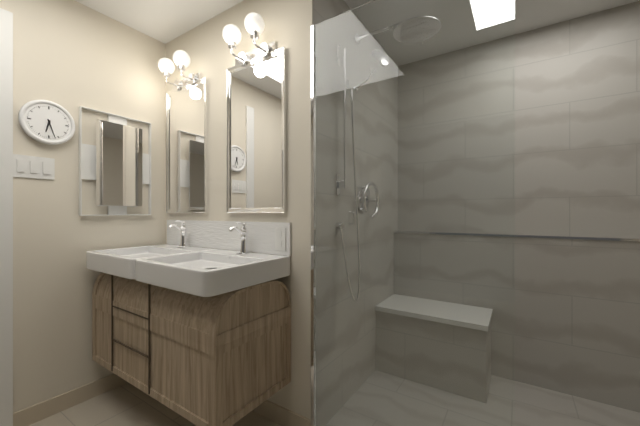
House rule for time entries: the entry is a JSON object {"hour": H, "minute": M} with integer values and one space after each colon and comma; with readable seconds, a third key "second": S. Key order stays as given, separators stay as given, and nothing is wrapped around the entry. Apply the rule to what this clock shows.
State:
{"hour": 6, "minute": 27}
